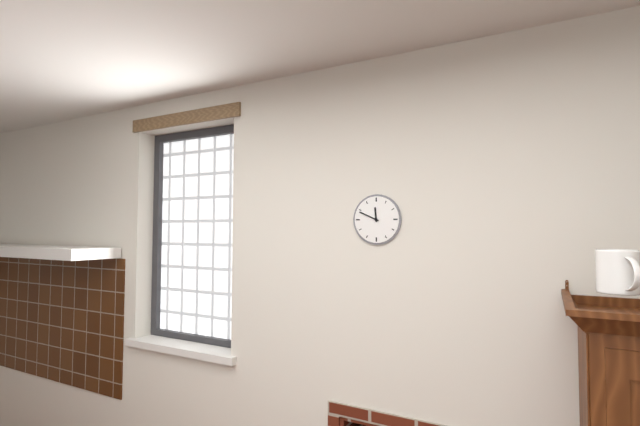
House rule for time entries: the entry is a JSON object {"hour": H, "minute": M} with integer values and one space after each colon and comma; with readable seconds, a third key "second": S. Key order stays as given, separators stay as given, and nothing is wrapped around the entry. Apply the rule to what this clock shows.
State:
{"hour": 11, "minute": 49}
